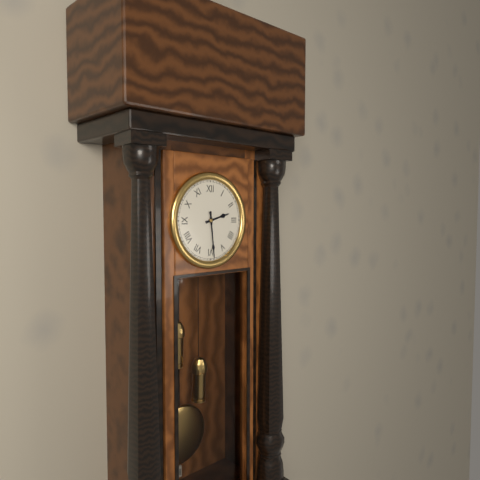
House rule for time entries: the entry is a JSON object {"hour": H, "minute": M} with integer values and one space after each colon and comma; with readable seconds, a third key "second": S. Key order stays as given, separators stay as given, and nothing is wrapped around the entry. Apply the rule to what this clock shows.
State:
{"hour": 2, "minute": 29}
